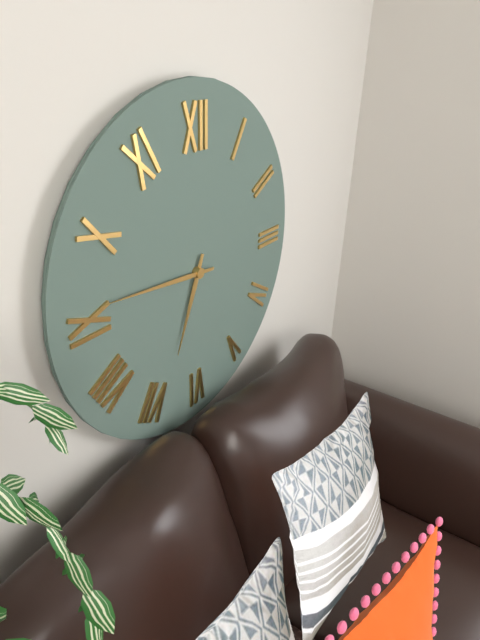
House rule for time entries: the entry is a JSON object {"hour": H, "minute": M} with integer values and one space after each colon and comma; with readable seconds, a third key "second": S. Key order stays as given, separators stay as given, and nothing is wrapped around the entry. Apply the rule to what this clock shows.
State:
{"hour": 6, "minute": 46}
